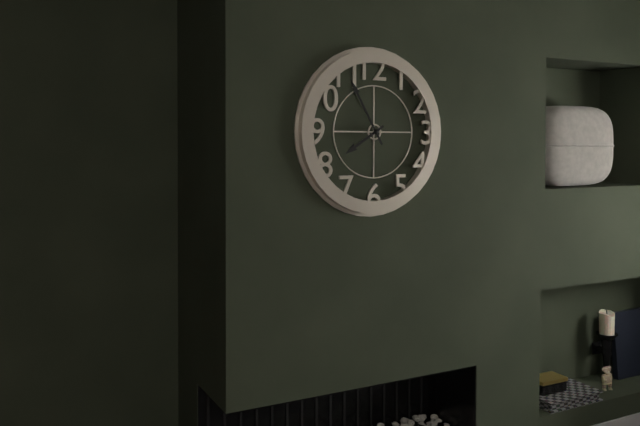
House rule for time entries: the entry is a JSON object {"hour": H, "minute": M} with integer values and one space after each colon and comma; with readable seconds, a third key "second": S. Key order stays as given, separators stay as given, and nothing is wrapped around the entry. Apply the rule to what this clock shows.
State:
{"hour": 7, "minute": 55}
